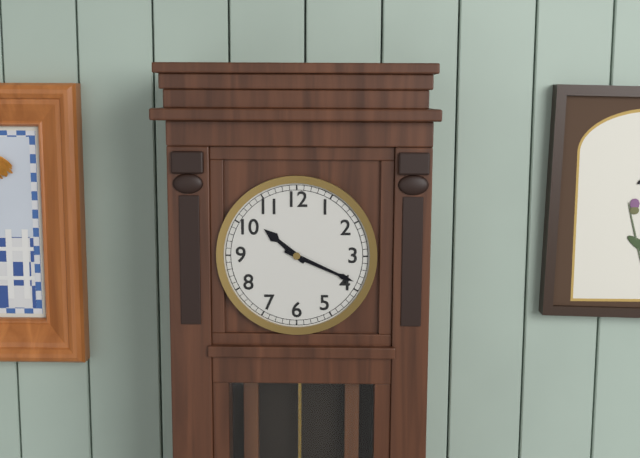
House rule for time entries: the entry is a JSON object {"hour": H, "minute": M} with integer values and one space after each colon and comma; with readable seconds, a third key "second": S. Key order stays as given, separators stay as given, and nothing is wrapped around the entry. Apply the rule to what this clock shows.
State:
{"hour": 10, "minute": 19}
